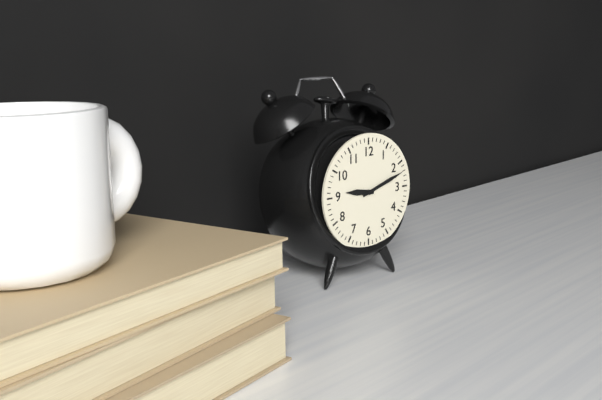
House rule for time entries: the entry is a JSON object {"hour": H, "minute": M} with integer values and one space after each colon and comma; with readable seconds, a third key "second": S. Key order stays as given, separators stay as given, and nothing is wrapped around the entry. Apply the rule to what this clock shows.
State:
{"hour": 9, "minute": 12}
